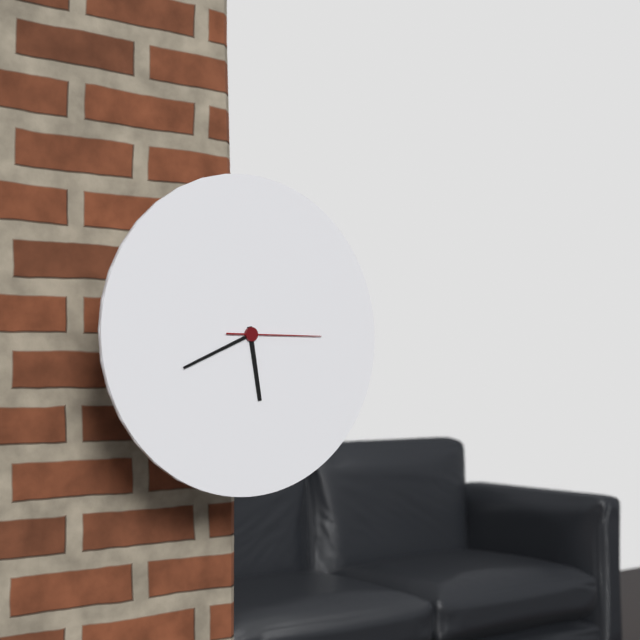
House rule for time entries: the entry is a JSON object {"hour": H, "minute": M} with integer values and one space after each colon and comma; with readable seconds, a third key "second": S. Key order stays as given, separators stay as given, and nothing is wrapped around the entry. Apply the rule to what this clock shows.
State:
{"hour": 5, "minute": 41, "second": 15}
